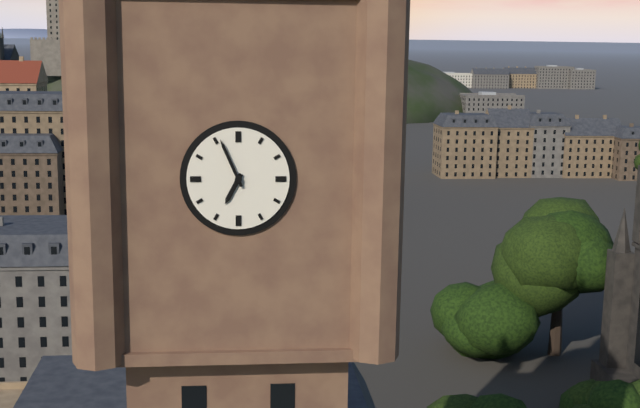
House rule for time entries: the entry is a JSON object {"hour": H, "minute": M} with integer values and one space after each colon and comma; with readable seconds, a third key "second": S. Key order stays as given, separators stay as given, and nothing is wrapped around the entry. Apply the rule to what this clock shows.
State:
{"hour": 6, "minute": 56}
